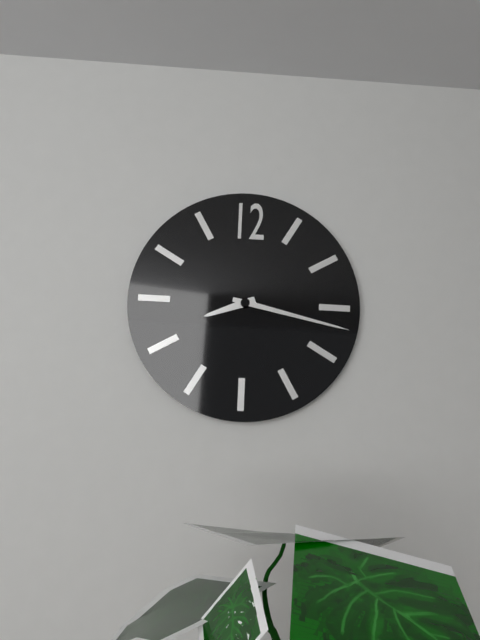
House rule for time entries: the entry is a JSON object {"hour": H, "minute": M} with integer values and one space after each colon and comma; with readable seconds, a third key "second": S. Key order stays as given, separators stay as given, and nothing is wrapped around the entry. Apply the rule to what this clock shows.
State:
{"hour": 8, "minute": 17}
